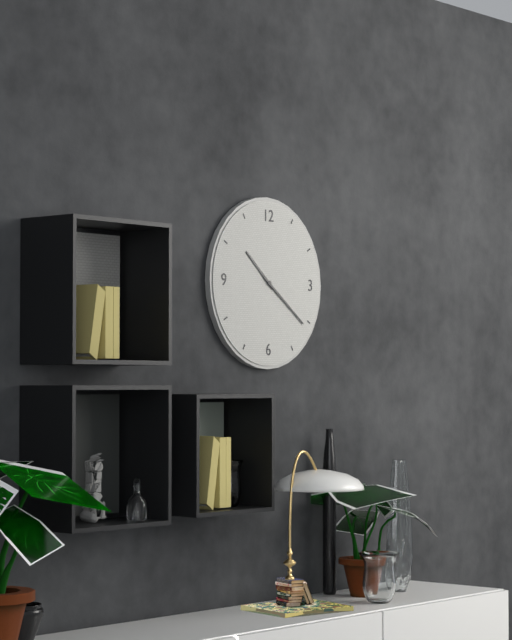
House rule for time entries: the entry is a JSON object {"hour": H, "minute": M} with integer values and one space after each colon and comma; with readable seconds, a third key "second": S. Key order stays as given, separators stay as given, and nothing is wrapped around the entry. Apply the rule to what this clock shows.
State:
{"hour": 10, "minute": 21}
